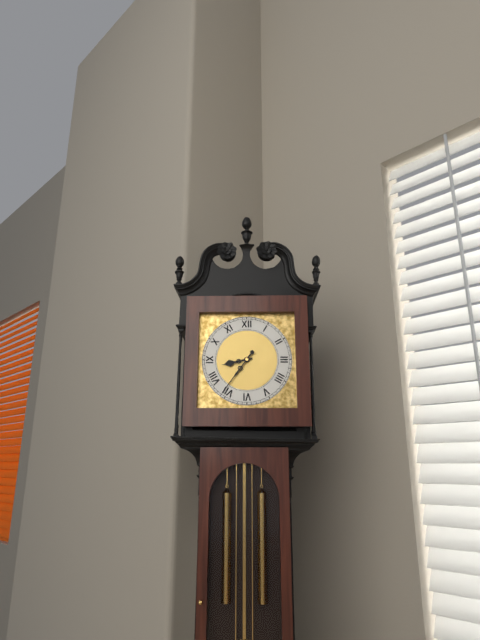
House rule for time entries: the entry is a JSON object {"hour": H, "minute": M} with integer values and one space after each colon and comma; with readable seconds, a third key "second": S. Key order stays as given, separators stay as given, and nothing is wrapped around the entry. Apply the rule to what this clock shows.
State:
{"hour": 8, "minute": 36}
